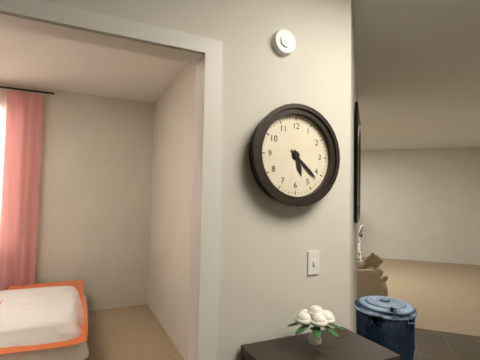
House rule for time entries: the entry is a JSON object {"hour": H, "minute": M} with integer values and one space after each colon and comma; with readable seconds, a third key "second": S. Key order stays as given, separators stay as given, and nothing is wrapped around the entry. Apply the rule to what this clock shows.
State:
{"hour": 5, "minute": 22}
